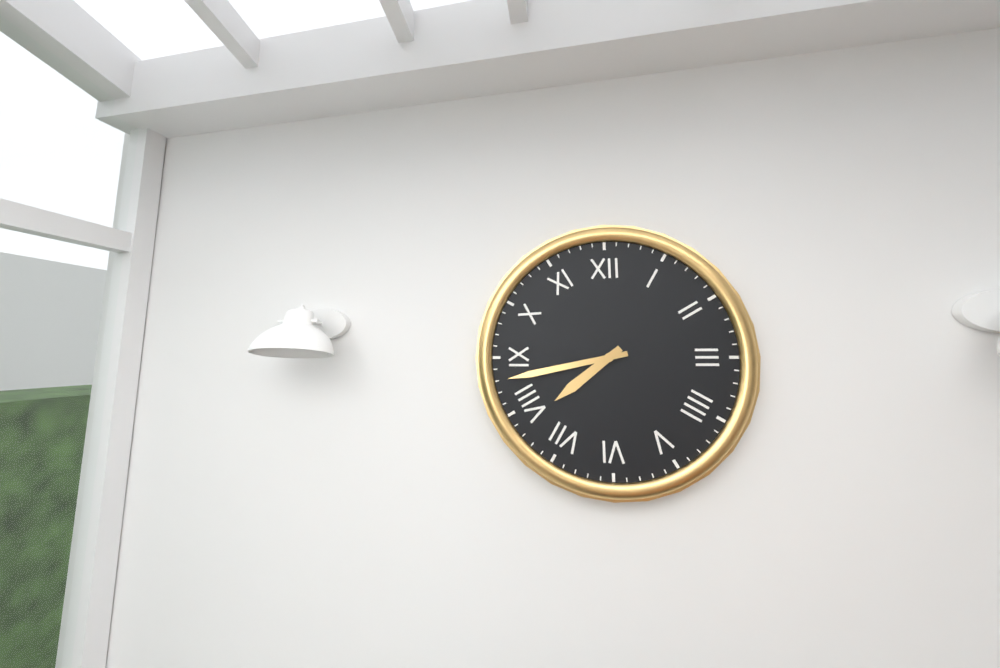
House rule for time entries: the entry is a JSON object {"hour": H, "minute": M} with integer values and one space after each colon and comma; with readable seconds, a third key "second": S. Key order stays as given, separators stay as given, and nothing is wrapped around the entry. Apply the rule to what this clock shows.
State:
{"hour": 7, "minute": 43}
